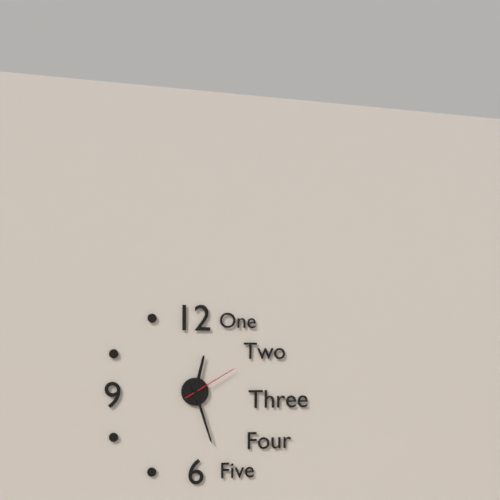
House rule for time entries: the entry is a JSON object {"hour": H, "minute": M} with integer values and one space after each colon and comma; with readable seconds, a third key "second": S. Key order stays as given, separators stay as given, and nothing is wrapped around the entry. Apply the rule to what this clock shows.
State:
{"hour": 12, "minute": 27, "second": 10}
